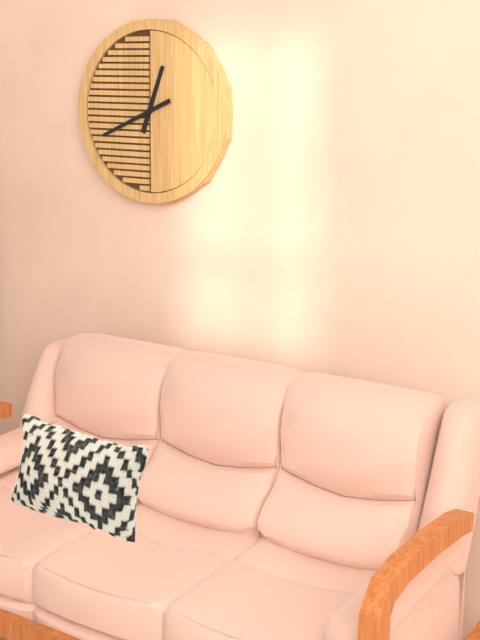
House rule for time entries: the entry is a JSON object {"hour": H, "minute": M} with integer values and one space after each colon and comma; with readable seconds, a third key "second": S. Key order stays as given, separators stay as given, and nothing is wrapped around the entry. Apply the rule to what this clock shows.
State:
{"hour": 12, "minute": 41}
